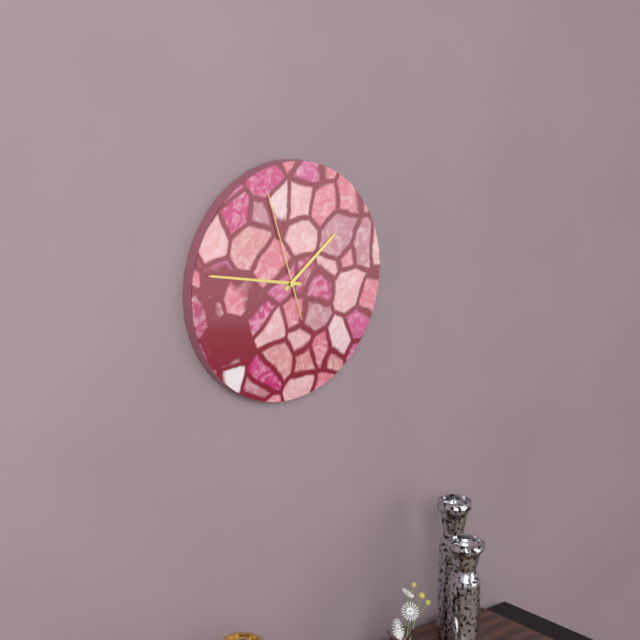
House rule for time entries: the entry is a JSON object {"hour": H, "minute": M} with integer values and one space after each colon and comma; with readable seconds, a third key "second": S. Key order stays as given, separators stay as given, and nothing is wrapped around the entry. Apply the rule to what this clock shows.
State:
{"hour": 1, "minute": 47, "second": 57}
